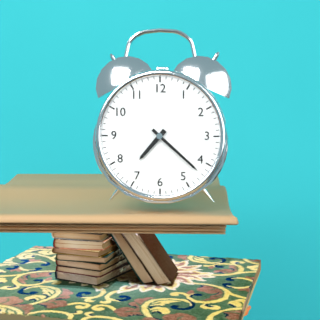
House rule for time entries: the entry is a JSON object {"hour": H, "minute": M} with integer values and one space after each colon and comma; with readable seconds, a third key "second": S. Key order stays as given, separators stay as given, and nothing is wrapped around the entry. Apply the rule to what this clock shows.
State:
{"hour": 7, "minute": 22}
